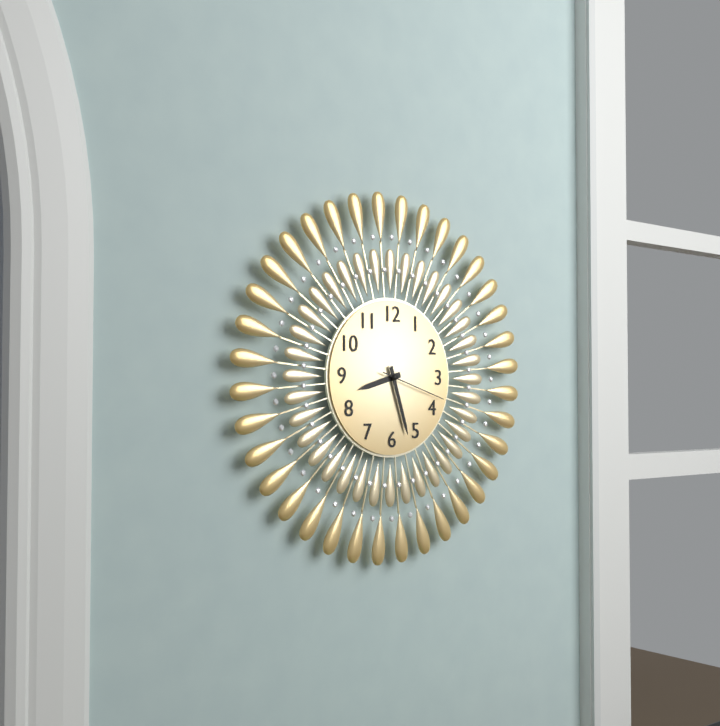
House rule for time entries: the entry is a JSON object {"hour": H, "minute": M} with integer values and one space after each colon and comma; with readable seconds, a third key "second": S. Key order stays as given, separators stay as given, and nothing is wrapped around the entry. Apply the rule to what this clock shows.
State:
{"hour": 8, "minute": 27, "second": 18}
